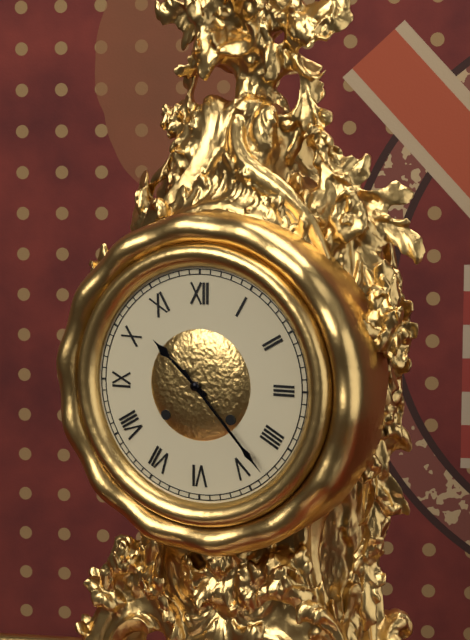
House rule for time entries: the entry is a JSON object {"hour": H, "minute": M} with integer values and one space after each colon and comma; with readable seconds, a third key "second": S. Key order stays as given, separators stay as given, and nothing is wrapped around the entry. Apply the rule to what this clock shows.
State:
{"hour": 10, "minute": 23}
